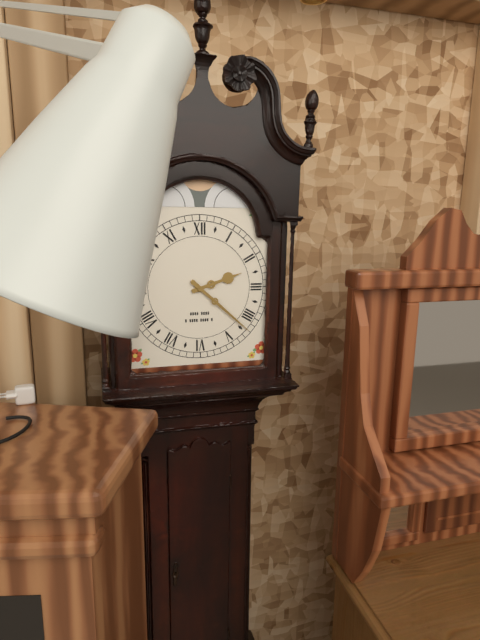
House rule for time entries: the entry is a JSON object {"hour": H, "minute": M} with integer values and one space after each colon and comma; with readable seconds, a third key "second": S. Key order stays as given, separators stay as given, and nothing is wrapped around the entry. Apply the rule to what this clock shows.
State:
{"hour": 2, "minute": 22}
